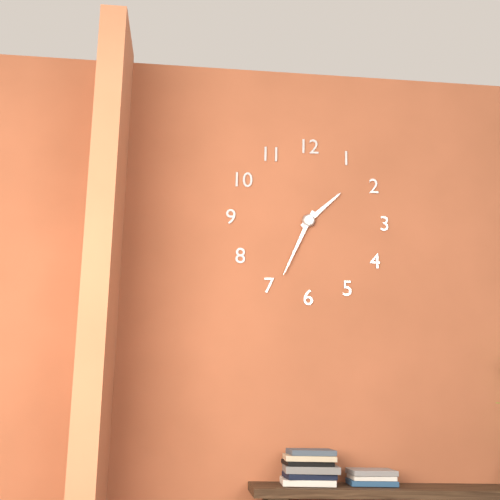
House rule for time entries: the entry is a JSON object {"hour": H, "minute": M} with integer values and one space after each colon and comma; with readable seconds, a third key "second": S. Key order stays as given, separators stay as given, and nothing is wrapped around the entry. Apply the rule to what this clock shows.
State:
{"hour": 1, "minute": 34}
